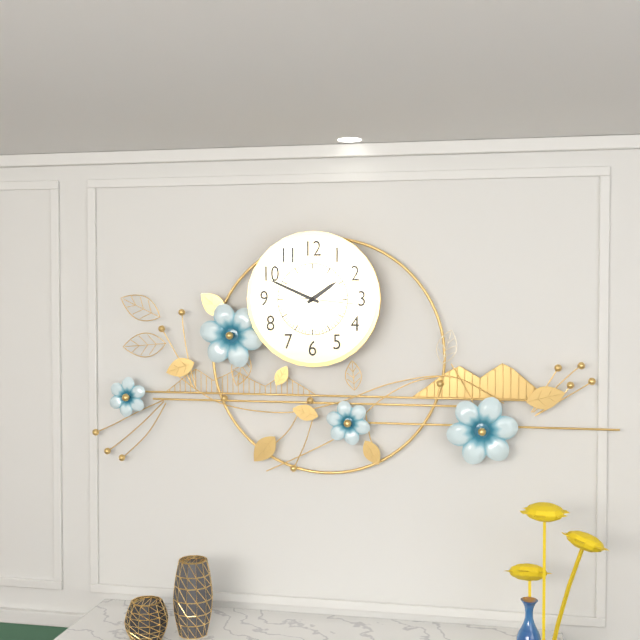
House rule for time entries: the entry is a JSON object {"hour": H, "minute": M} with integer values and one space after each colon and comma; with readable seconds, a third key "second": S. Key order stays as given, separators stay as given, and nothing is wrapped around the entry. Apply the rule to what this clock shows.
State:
{"hour": 1, "minute": 49, "second": 16}
